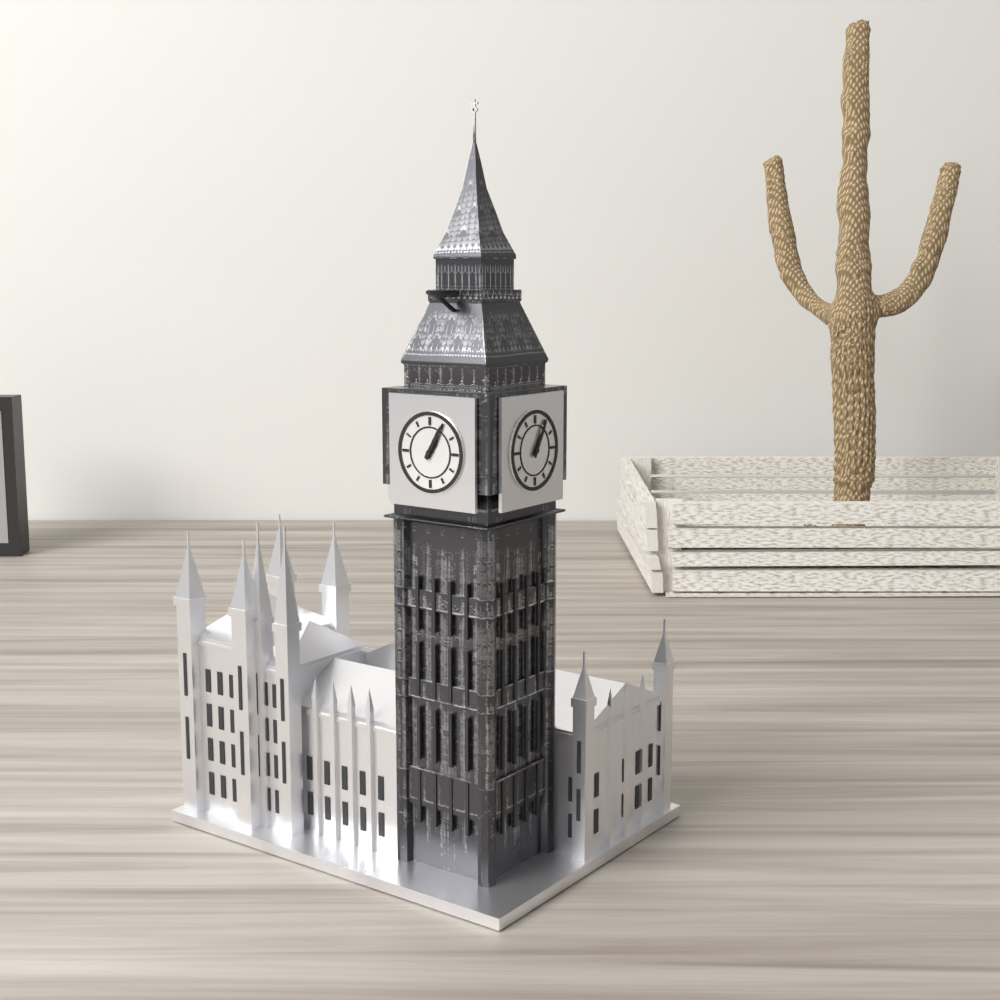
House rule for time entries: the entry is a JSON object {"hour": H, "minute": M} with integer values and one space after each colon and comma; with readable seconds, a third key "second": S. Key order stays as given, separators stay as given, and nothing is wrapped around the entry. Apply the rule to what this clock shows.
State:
{"hour": 1, "minute": 5}
